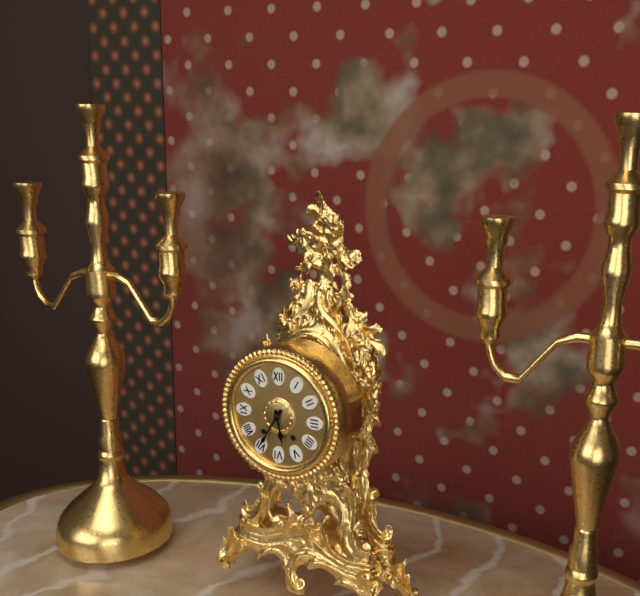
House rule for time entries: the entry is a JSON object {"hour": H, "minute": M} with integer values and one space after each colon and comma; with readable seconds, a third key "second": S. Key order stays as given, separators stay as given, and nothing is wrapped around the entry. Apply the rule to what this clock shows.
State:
{"hour": 5, "minute": 35}
